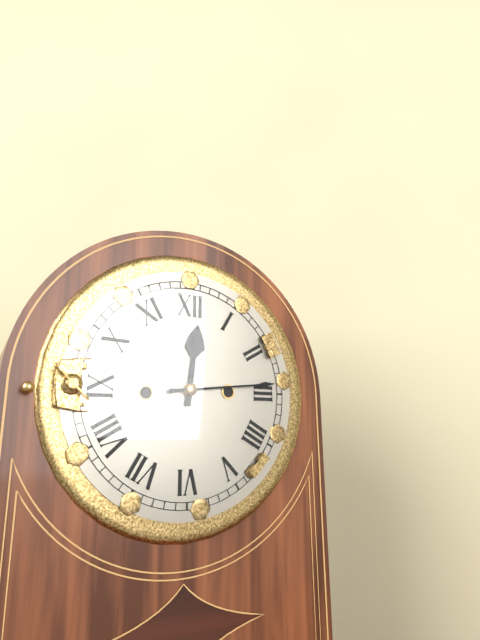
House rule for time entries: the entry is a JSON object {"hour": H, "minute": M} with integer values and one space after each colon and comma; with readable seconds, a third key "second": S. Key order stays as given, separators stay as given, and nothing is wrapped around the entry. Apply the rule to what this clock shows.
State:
{"hour": 12, "minute": 14}
